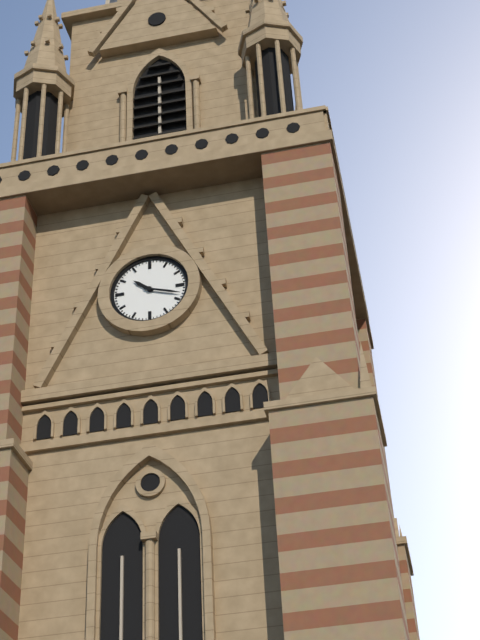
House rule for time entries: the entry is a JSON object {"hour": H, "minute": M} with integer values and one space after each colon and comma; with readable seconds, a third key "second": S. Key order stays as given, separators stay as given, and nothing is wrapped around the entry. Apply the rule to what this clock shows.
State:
{"hour": 10, "minute": 18}
